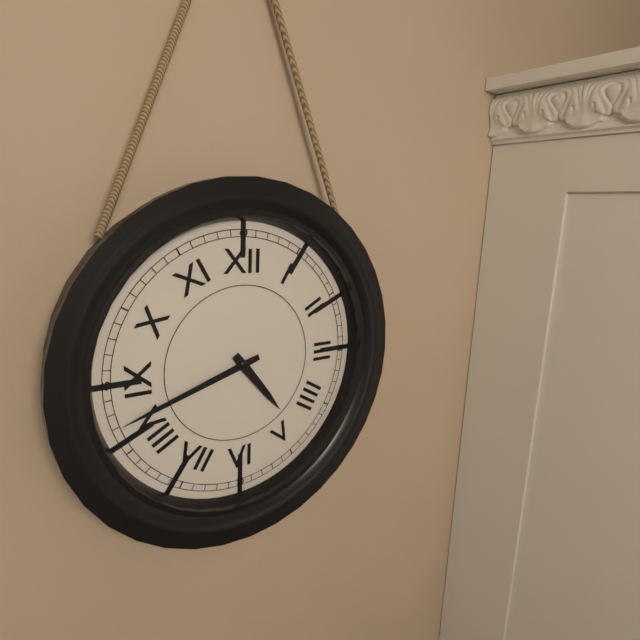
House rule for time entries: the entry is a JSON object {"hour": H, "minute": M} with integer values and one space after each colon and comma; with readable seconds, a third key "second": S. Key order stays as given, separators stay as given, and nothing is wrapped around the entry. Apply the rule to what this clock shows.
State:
{"hour": 4, "minute": 42}
